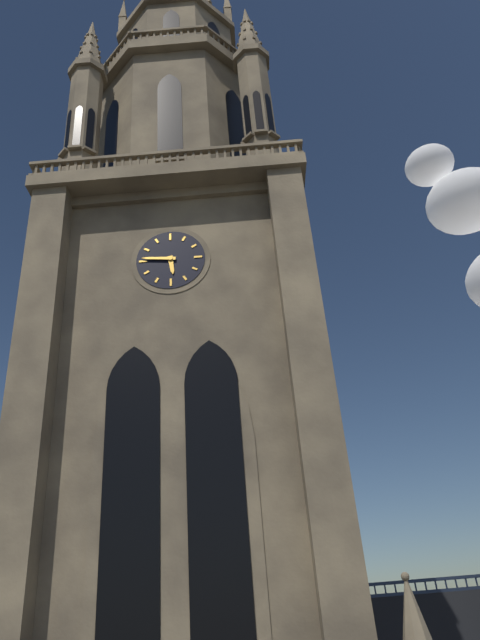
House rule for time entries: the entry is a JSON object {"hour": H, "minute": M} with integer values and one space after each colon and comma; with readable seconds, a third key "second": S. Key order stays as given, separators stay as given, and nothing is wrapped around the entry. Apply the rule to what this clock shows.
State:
{"hour": 5, "minute": 46}
